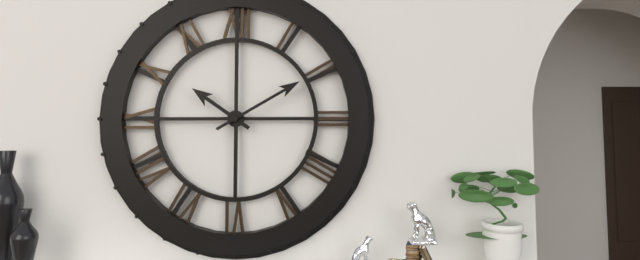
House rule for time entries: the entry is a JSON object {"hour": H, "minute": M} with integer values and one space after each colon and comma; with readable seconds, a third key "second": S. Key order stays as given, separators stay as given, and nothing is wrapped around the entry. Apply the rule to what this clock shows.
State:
{"hour": 10, "minute": 10}
